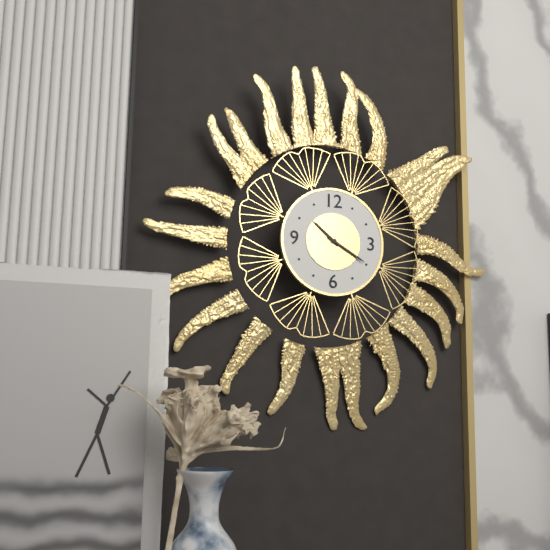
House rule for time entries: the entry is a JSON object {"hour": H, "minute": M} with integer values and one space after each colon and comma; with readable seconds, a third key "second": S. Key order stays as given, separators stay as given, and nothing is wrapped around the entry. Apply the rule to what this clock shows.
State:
{"hour": 10, "minute": 20}
